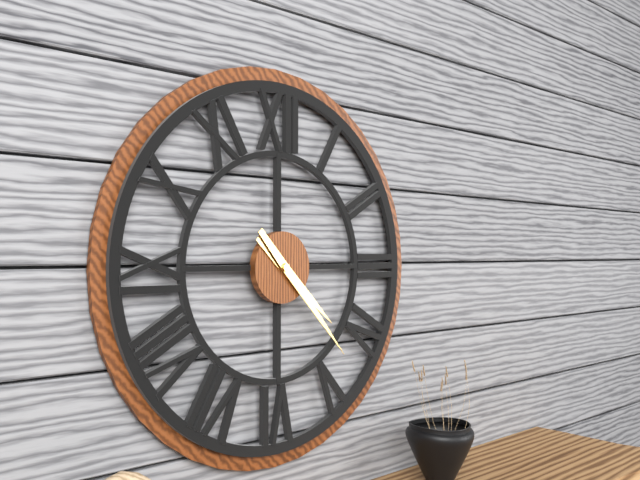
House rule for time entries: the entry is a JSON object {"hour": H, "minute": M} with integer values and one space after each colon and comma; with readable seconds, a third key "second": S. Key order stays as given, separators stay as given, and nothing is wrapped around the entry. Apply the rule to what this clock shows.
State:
{"hour": 4, "minute": 23}
